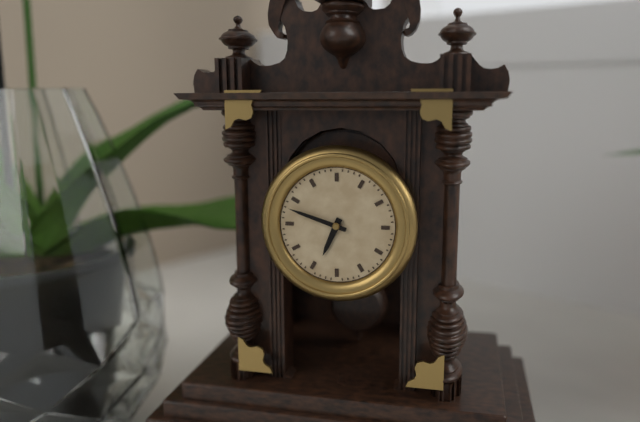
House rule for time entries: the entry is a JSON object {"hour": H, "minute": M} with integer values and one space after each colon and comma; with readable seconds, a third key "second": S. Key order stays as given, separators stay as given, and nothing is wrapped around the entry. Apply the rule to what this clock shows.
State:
{"hour": 6, "minute": 48}
